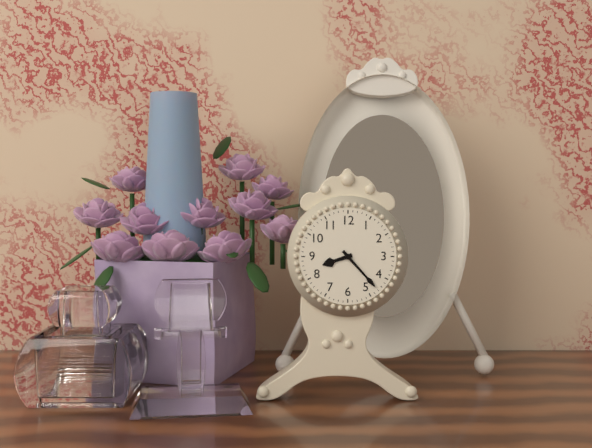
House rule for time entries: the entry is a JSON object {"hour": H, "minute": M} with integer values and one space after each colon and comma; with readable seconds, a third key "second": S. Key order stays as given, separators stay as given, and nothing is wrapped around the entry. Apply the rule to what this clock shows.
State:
{"hour": 8, "minute": 23}
